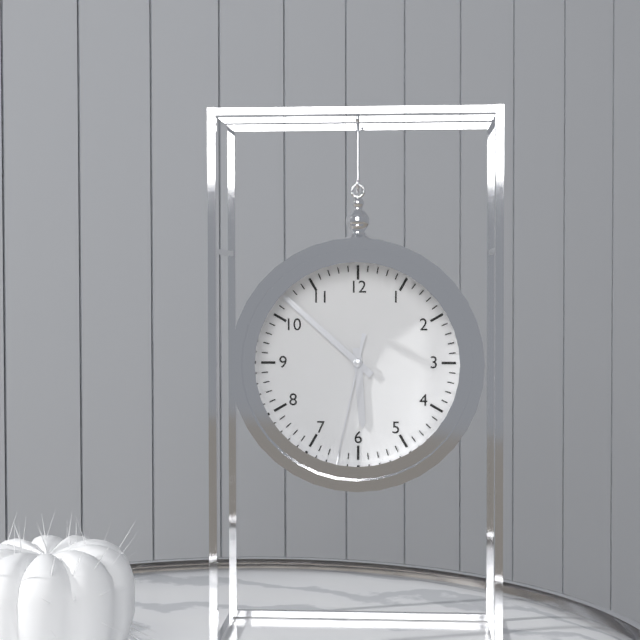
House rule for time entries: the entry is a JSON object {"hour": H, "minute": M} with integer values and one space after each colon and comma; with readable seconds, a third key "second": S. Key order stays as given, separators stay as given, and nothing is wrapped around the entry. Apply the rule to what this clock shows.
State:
{"hour": 5, "minute": 52, "second": 32}
